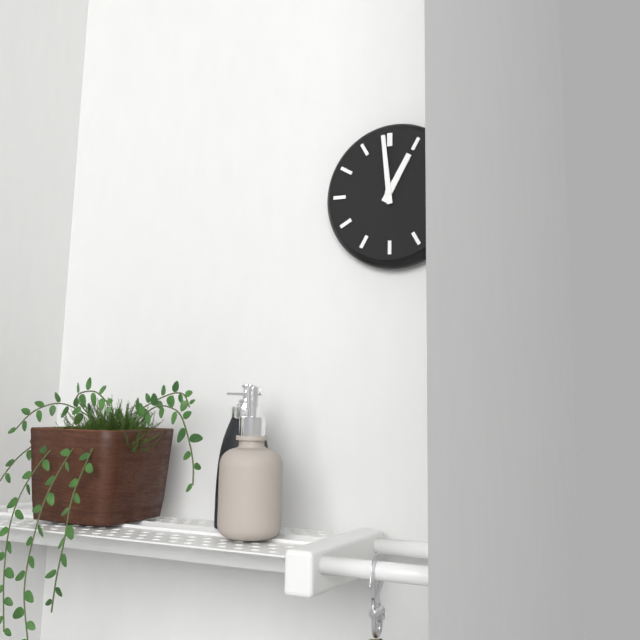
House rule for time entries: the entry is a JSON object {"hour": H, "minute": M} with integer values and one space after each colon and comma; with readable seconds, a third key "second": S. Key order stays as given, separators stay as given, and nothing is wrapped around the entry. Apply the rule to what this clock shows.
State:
{"hour": 12, "minute": 59}
